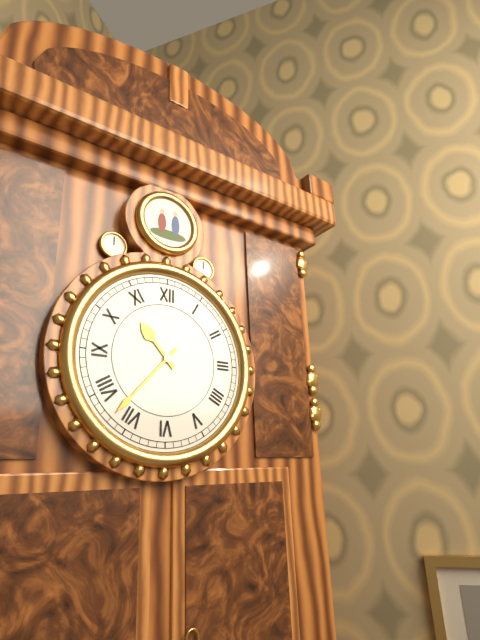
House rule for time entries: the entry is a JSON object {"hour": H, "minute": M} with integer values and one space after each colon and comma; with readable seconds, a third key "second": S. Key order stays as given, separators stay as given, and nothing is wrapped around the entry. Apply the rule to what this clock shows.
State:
{"hour": 10, "minute": 37}
